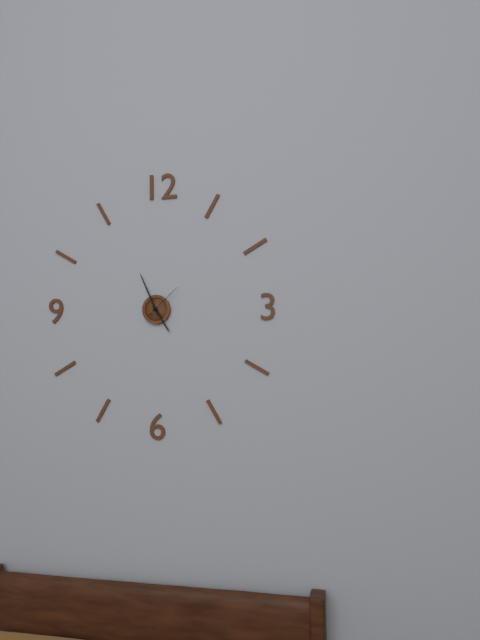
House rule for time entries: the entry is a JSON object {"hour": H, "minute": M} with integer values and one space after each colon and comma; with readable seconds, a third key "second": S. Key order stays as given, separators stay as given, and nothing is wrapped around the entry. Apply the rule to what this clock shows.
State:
{"hour": 4, "minute": 56}
